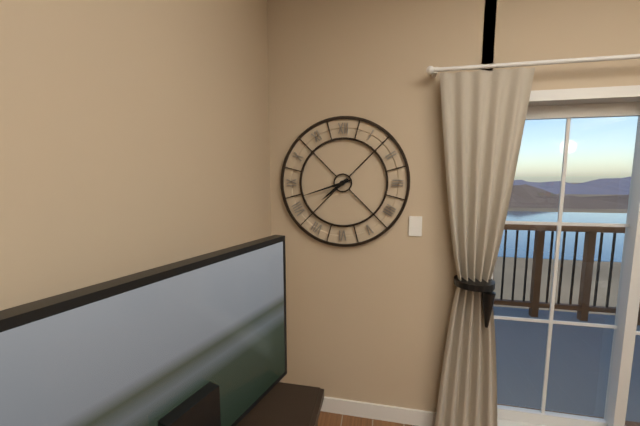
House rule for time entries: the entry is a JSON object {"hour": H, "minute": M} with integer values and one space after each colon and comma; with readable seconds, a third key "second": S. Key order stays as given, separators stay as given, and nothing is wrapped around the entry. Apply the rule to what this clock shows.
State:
{"hour": 7, "minute": 42}
